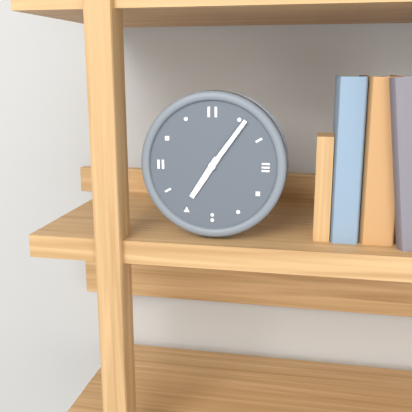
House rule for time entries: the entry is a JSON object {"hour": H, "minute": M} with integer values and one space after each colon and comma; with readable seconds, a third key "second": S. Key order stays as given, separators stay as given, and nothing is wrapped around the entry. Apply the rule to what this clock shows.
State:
{"hour": 7, "minute": 6}
